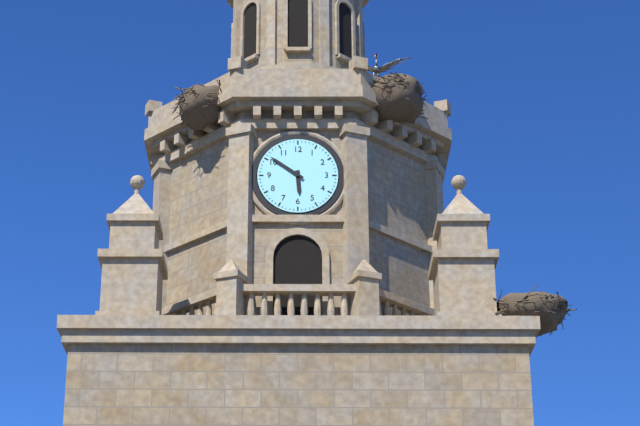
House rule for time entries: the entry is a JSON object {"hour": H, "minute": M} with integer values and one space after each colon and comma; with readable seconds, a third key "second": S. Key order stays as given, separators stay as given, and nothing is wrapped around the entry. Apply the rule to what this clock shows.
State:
{"hour": 5, "minute": 51}
